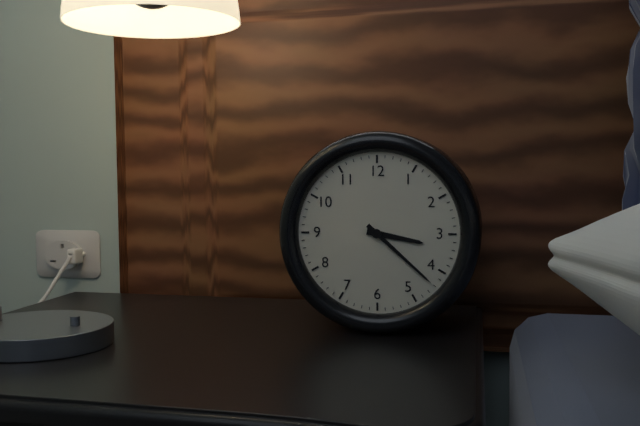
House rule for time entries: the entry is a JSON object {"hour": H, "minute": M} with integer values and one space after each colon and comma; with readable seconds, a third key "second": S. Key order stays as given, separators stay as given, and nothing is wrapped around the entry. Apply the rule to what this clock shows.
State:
{"hour": 3, "minute": 22}
